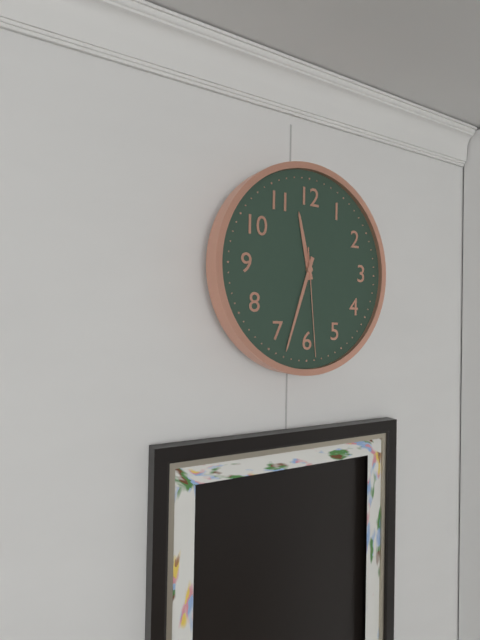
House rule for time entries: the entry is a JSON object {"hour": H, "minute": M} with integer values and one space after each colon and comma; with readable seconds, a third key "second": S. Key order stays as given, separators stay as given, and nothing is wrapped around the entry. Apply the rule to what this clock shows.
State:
{"hour": 11, "minute": 33, "second": 29}
